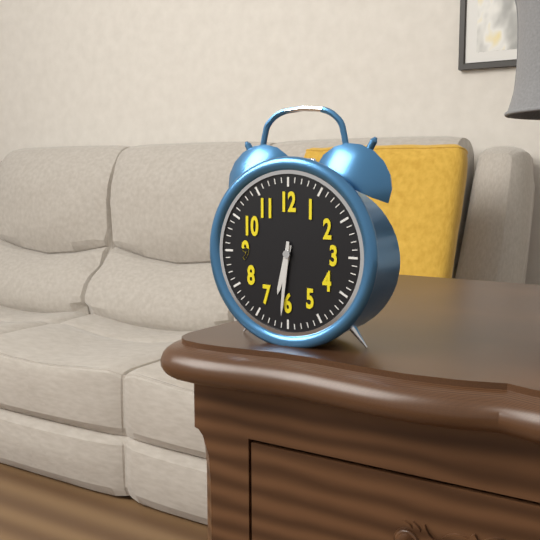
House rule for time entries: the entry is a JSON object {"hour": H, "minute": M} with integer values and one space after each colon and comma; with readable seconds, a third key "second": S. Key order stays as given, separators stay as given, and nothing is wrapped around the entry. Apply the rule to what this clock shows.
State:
{"hour": 6, "minute": 31}
